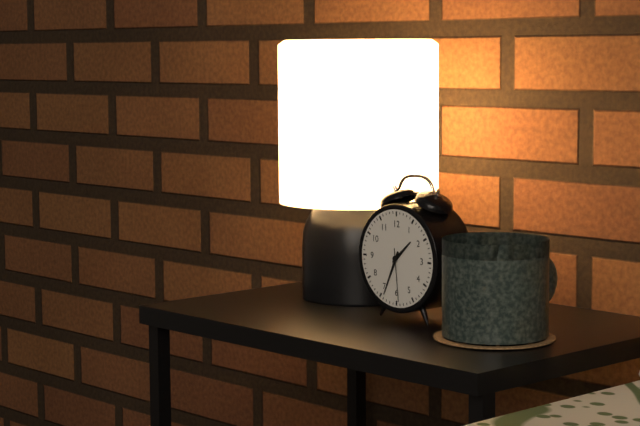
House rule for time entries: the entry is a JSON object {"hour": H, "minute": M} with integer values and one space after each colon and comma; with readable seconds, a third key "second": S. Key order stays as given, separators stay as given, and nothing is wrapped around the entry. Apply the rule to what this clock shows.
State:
{"hour": 1, "minute": 34, "second": 29}
